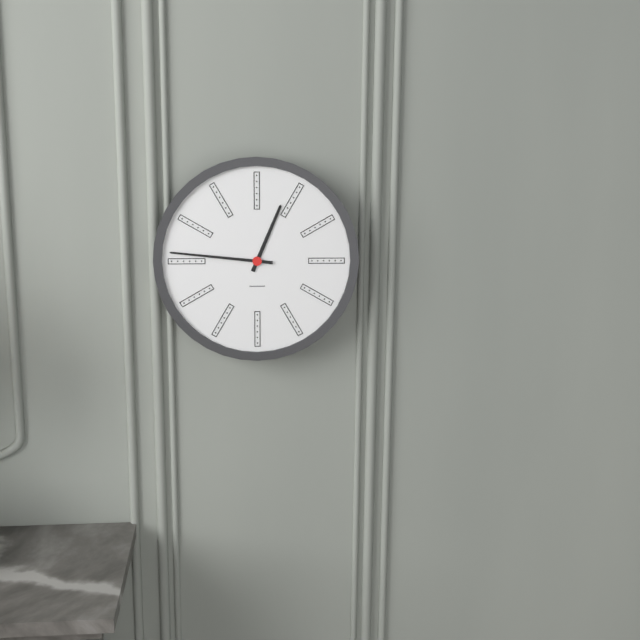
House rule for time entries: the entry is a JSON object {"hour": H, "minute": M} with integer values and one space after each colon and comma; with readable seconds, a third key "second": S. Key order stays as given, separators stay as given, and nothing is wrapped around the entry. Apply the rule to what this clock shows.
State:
{"hour": 12, "minute": 46}
